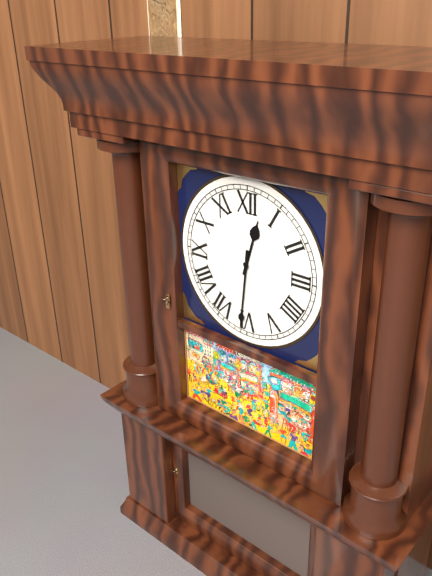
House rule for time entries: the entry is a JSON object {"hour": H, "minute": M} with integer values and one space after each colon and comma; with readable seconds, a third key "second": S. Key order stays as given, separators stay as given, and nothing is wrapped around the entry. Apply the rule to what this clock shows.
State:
{"hour": 12, "minute": 31}
